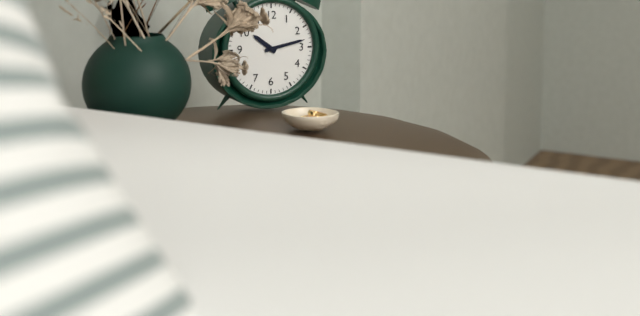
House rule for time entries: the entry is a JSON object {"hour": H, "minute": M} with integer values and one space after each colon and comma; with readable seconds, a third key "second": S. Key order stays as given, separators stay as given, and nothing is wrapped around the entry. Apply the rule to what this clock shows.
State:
{"hour": 10, "minute": 13}
